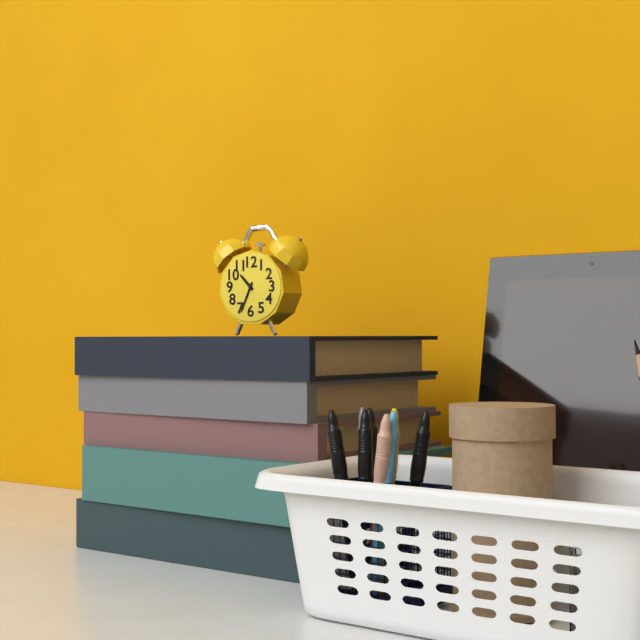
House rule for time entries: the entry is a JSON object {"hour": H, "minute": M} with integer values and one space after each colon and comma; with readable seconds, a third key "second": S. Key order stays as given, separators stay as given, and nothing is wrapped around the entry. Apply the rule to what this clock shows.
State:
{"hour": 10, "minute": 34}
